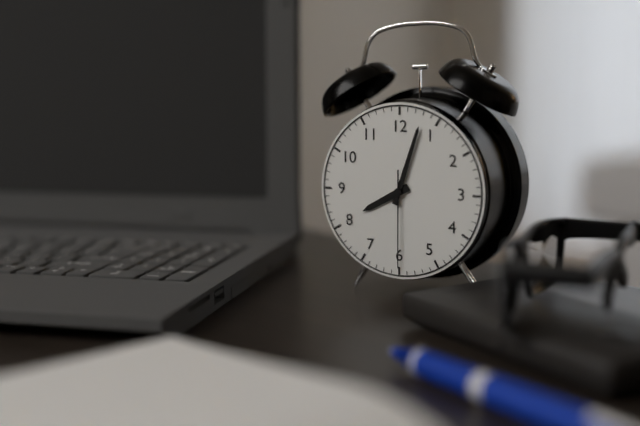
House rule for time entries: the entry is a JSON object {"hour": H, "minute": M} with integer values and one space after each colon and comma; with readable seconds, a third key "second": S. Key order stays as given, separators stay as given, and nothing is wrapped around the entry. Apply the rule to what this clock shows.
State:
{"hour": 8, "minute": 3, "second": 30}
